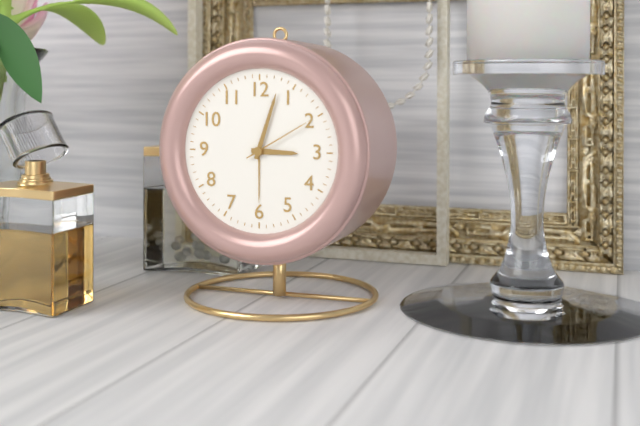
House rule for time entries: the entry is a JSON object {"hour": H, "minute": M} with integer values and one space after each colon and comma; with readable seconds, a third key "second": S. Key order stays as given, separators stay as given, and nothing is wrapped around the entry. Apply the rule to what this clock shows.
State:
{"hour": 3, "minute": 3, "second": 10}
